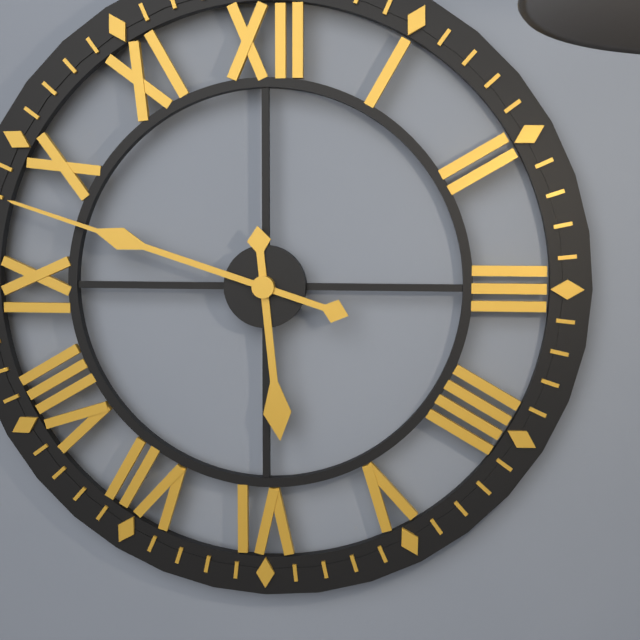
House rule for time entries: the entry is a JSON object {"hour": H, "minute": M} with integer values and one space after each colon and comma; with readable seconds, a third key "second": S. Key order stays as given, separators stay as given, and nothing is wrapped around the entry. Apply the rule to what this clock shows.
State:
{"hour": 5, "minute": 48}
